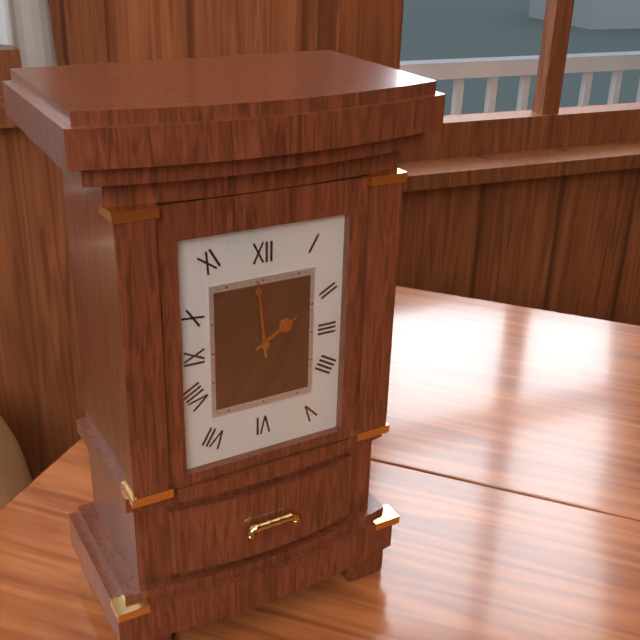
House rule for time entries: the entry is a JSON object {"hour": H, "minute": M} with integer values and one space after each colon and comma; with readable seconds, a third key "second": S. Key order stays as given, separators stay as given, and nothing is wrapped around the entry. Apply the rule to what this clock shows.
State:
{"hour": 1, "minute": 59}
